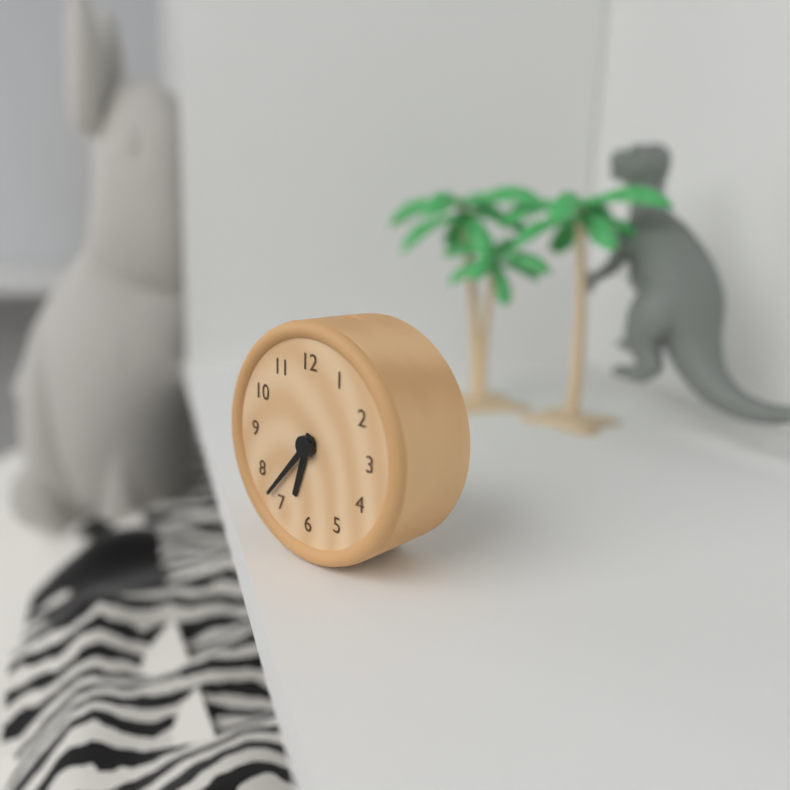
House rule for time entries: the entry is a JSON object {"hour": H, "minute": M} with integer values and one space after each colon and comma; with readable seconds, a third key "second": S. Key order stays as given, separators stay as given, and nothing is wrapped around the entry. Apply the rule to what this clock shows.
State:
{"hour": 6, "minute": 37}
